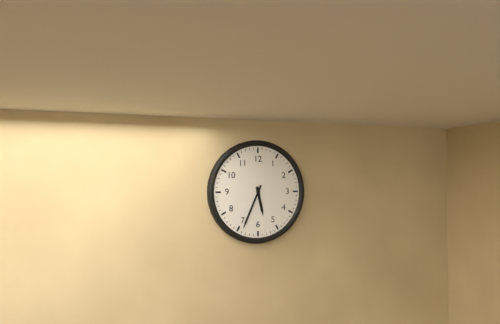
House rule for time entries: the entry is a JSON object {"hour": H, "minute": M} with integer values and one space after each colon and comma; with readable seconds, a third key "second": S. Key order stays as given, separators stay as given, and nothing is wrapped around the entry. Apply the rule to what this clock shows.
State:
{"hour": 5, "minute": 34}
